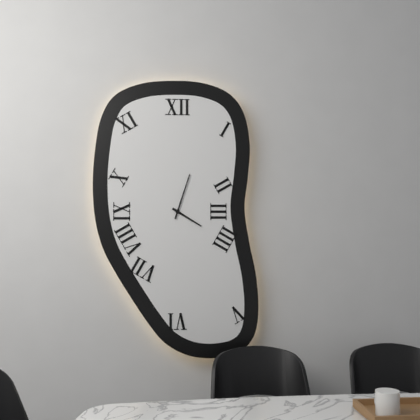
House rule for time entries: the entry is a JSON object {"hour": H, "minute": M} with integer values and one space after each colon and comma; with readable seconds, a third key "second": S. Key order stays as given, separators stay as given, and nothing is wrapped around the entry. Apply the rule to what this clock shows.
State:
{"hour": 4, "minute": 3}
